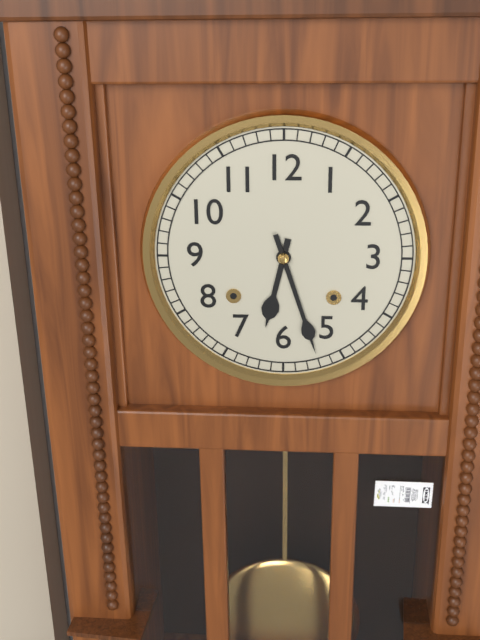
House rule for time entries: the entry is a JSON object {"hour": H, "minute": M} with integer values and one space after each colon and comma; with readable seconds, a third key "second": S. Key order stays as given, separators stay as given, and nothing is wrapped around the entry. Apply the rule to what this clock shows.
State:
{"hour": 6, "minute": 27}
